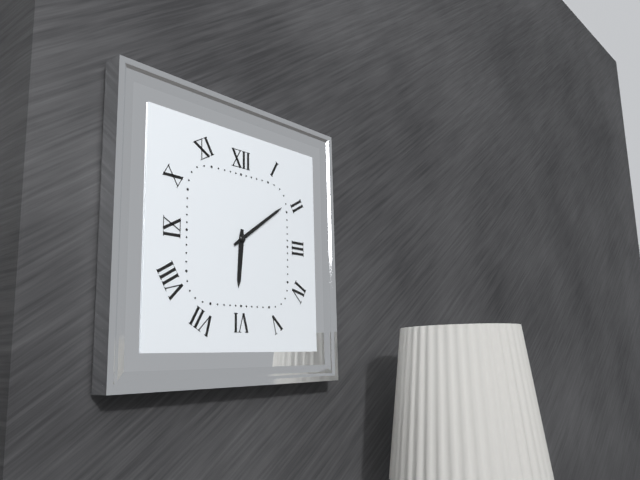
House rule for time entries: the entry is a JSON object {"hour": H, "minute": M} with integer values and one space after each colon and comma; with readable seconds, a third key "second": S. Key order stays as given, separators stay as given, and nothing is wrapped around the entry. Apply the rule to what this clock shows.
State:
{"hour": 6, "minute": 9}
